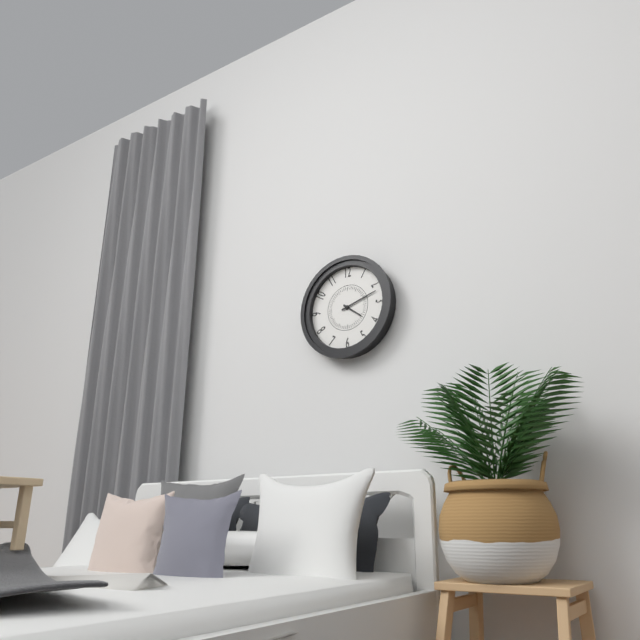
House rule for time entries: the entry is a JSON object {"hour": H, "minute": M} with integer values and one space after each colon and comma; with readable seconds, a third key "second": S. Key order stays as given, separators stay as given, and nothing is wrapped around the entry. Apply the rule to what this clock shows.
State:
{"hour": 4, "minute": 12}
